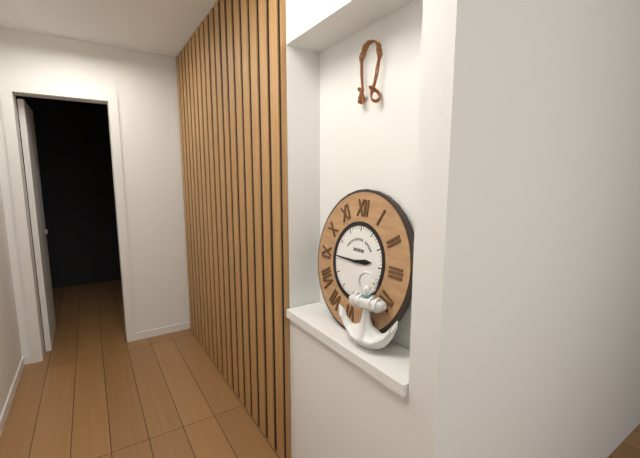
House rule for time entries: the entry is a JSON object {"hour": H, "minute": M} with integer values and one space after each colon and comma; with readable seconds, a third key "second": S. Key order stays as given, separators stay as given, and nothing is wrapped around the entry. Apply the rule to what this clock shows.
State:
{"hour": 2, "minute": 45}
